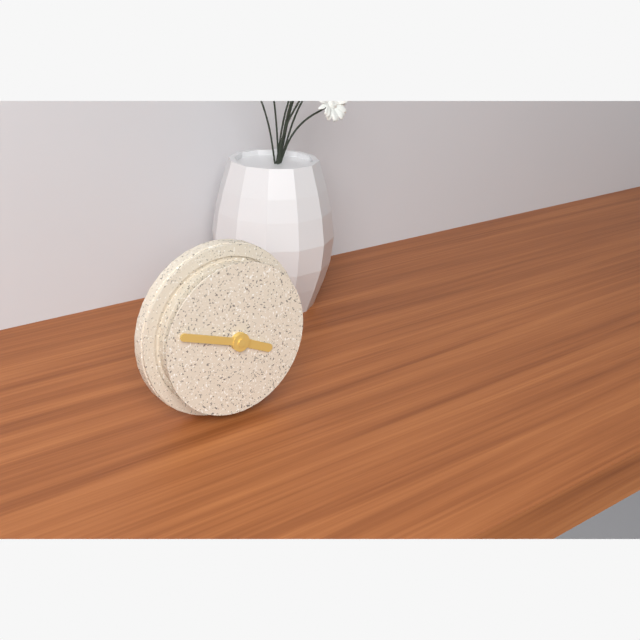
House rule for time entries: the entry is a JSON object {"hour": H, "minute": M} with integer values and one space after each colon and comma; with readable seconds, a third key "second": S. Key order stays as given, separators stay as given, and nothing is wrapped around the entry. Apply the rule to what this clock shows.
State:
{"hour": 3, "minute": 48}
